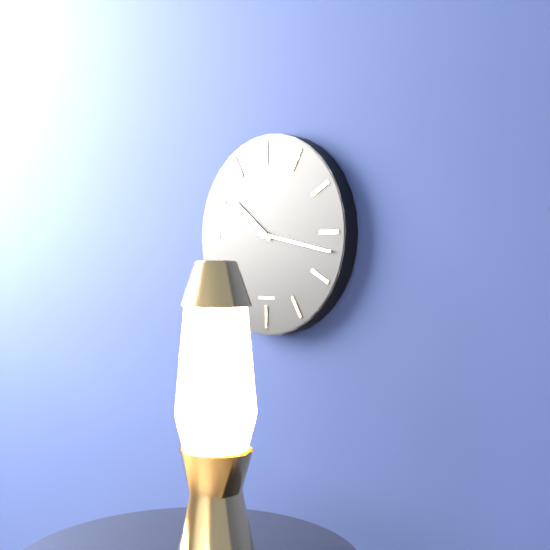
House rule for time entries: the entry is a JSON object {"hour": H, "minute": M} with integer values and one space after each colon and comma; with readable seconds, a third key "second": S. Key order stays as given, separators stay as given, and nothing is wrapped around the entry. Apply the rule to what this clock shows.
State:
{"hour": 10, "minute": 17}
